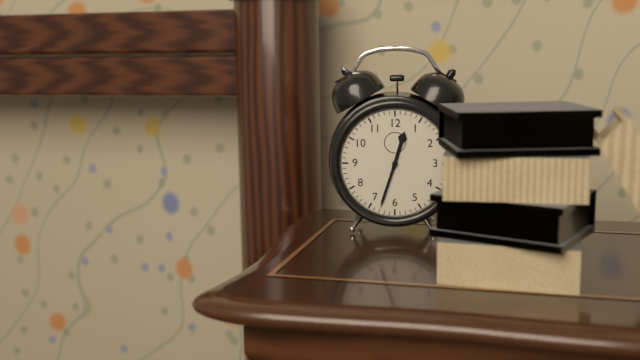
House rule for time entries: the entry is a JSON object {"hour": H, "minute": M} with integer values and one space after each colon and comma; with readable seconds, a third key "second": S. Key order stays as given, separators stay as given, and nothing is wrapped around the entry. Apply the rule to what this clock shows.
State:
{"hour": 12, "minute": 33}
